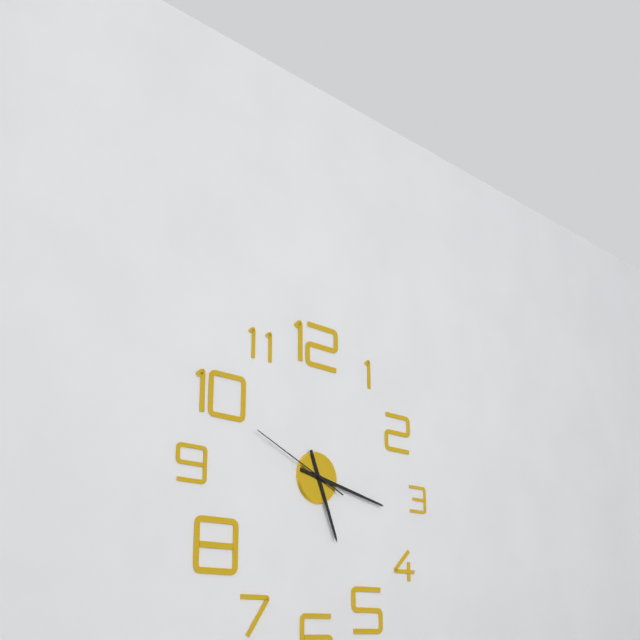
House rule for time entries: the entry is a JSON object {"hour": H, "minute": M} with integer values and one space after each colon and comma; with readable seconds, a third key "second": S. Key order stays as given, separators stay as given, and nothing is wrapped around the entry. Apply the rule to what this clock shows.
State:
{"hour": 5, "minute": 17, "second": 49}
